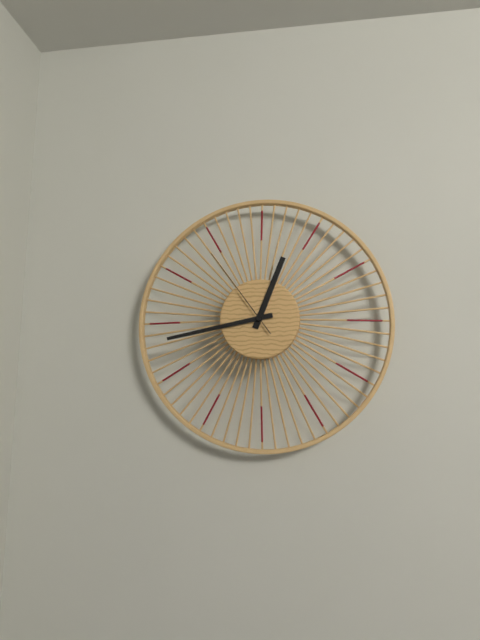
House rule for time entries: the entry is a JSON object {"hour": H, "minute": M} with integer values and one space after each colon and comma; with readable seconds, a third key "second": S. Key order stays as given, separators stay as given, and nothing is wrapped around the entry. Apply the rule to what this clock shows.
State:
{"hour": 12, "minute": 43, "second": 54}
